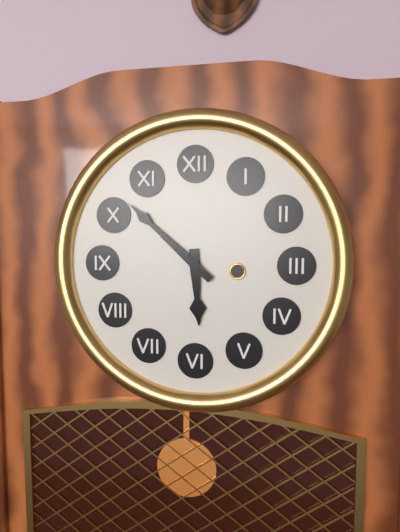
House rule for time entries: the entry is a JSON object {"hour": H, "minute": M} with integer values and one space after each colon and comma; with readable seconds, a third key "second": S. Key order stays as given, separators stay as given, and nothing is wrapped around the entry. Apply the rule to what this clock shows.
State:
{"hour": 5, "minute": 52}
